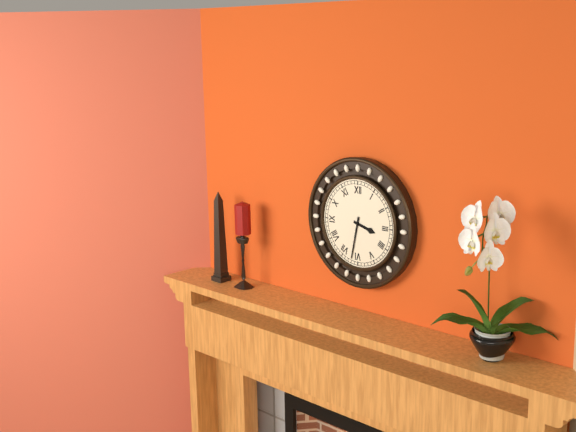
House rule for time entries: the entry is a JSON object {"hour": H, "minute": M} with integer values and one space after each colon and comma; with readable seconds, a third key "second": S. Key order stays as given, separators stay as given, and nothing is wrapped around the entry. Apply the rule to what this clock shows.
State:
{"hour": 3, "minute": 32}
